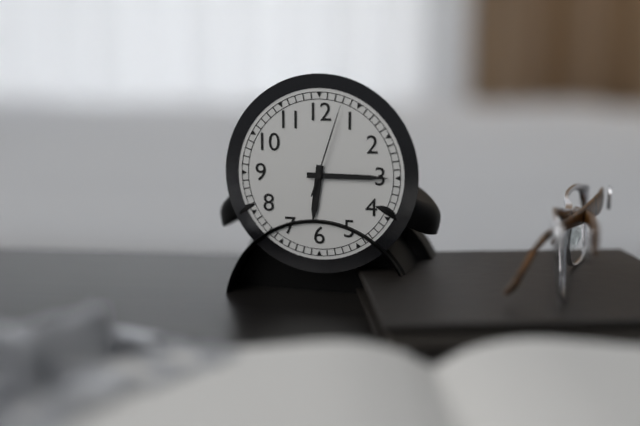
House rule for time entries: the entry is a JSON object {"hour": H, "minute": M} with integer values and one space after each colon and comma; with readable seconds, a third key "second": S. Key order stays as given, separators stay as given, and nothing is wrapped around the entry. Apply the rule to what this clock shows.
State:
{"hour": 6, "minute": 15, "second": 3}
